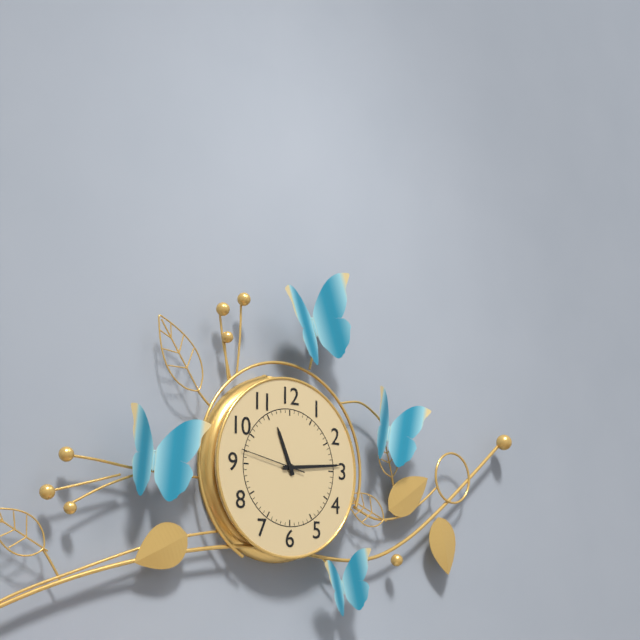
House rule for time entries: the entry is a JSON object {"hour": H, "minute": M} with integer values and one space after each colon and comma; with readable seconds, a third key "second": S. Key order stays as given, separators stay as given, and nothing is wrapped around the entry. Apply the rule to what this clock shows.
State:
{"hour": 11, "minute": 14, "second": 47}
